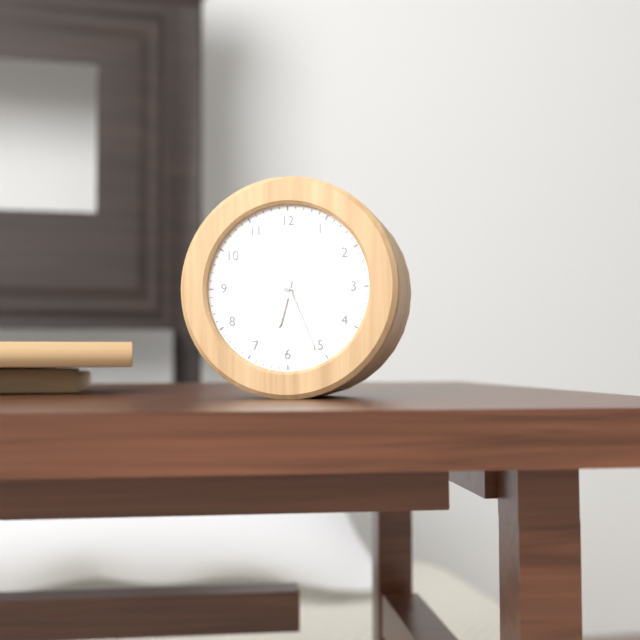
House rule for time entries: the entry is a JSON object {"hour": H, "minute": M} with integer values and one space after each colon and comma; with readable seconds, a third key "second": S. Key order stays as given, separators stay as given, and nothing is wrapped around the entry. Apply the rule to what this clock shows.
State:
{"hour": 6, "minute": 26, "second": 48}
